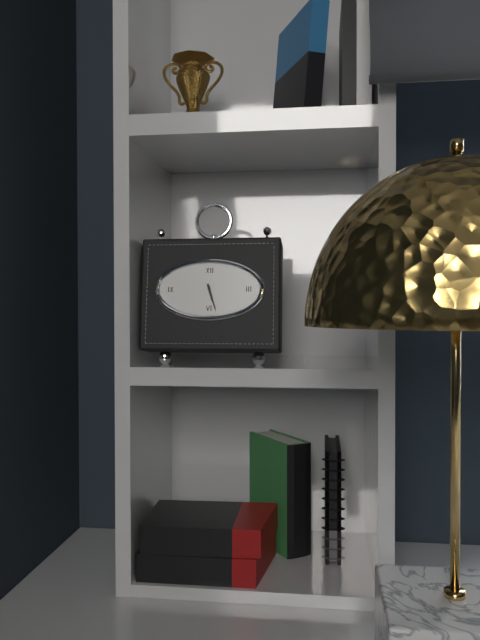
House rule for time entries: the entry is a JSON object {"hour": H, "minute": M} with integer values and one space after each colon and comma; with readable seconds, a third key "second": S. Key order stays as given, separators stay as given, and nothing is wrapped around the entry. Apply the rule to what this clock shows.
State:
{"hour": 5, "minute": 27}
